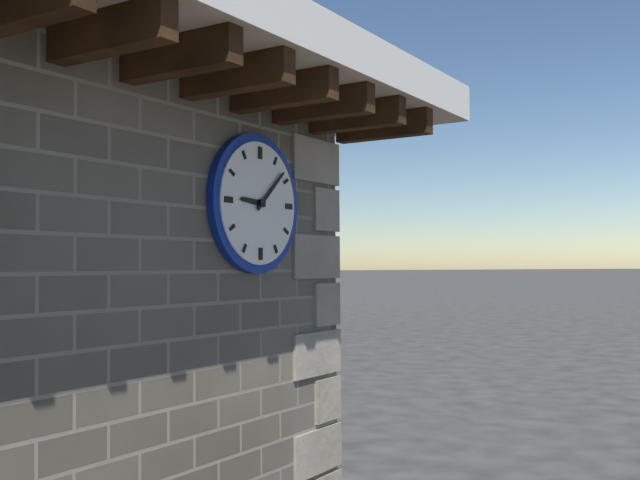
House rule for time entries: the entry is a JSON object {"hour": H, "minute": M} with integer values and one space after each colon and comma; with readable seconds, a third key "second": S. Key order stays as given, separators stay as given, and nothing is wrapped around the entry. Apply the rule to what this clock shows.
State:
{"hour": 9, "minute": 8}
